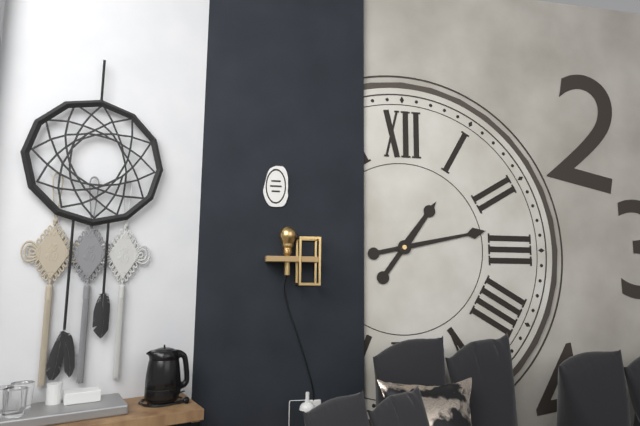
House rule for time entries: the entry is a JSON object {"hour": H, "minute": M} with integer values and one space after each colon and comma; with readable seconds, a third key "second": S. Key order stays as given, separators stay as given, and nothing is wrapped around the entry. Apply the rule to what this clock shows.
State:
{"hour": 1, "minute": 13}
